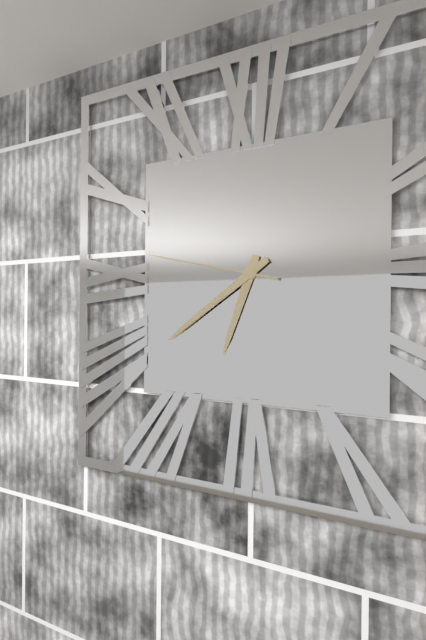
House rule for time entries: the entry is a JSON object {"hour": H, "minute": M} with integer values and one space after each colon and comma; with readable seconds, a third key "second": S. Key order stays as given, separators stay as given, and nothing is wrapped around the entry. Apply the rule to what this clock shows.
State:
{"hour": 6, "minute": 39, "second": 47}
